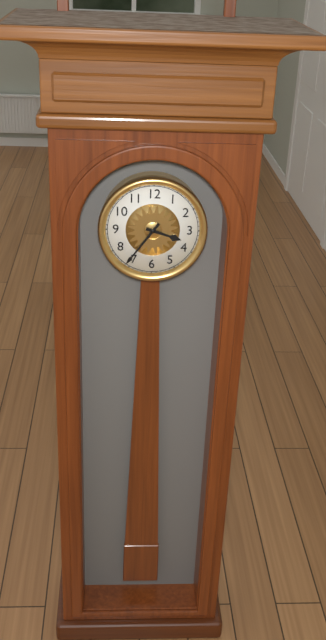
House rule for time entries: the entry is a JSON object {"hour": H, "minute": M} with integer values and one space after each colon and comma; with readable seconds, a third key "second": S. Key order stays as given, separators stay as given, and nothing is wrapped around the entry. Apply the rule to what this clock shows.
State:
{"hour": 3, "minute": 36}
